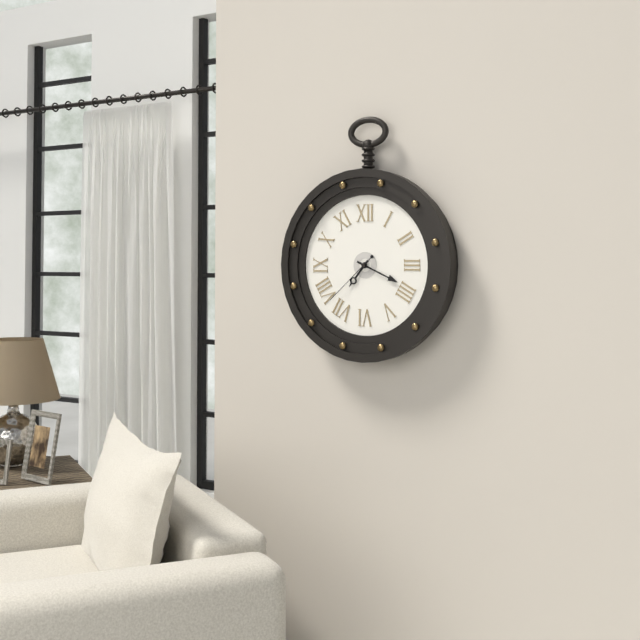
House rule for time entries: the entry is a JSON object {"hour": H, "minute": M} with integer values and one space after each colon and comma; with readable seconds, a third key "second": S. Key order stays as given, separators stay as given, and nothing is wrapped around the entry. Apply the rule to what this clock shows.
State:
{"hour": 7, "minute": 19, "second": 38}
